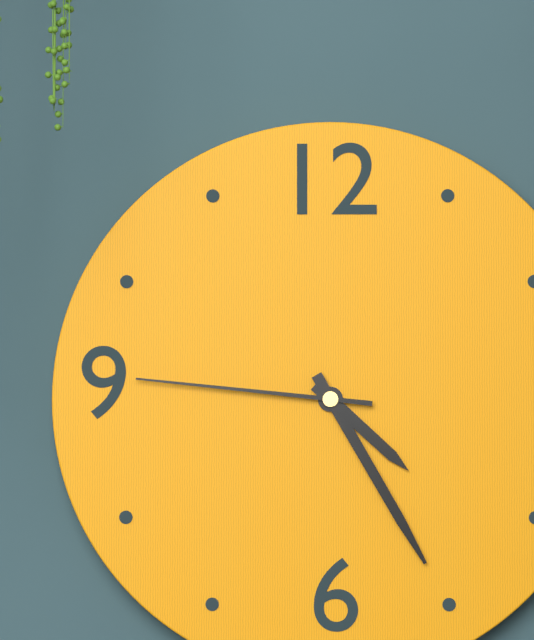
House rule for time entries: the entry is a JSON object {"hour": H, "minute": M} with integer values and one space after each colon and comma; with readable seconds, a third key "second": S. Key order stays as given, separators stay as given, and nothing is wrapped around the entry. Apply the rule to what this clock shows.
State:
{"hour": 4, "minute": 25, "second": 46}
